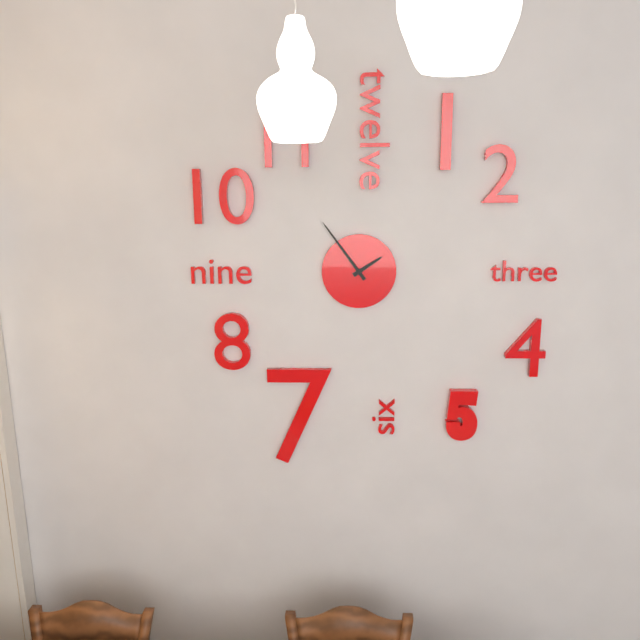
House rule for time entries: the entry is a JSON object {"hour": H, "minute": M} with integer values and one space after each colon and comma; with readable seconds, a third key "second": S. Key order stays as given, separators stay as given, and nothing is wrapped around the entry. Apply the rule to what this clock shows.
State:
{"hour": 1, "minute": 54}
